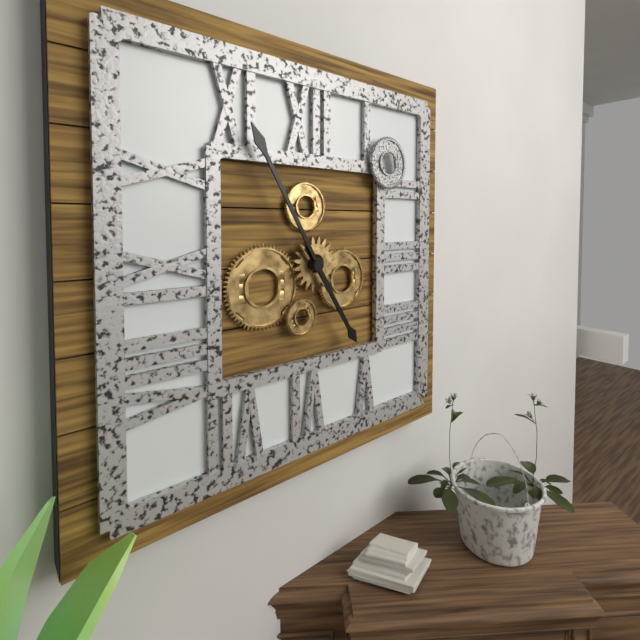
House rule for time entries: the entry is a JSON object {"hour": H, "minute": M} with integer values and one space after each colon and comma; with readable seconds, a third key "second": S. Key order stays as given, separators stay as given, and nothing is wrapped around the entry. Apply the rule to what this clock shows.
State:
{"hour": 4, "minute": 55}
